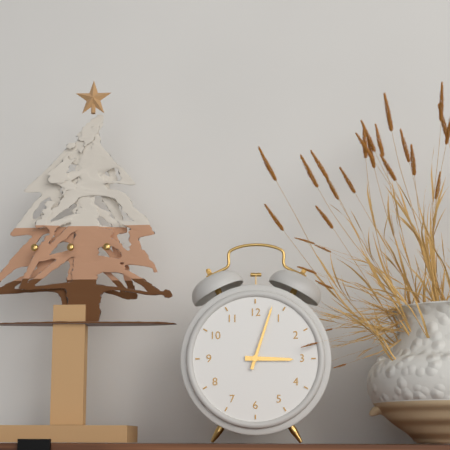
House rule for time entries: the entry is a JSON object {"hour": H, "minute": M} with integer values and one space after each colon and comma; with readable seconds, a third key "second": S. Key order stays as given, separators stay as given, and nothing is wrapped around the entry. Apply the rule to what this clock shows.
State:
{"hour": 3, "minute": 3}
